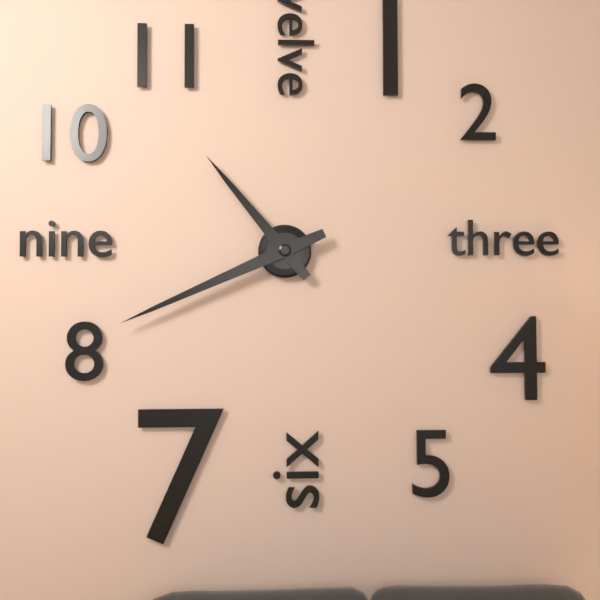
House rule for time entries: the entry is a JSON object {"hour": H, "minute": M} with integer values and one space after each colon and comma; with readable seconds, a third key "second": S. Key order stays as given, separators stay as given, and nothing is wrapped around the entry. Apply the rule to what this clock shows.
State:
{"hour": 10, "minute": 41}
